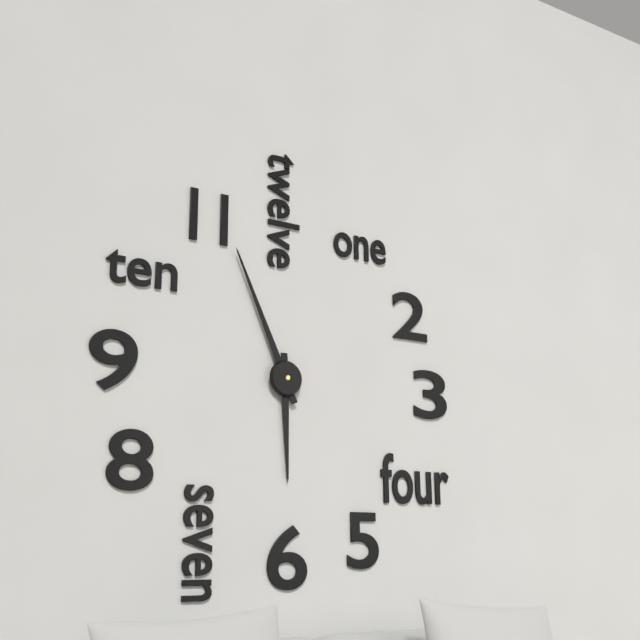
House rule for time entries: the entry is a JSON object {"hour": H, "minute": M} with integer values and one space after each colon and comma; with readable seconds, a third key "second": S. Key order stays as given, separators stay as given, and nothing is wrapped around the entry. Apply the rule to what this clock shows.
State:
{"hour": 5, "minute": 56}
